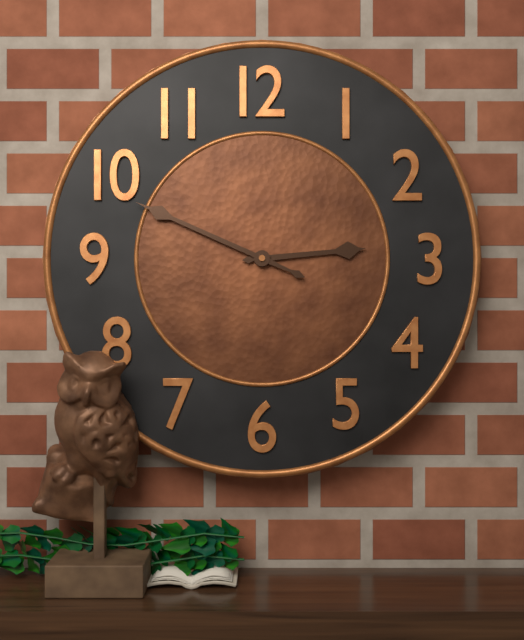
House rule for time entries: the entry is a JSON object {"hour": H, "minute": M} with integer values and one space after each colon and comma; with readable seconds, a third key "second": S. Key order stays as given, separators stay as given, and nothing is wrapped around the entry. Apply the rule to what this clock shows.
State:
{"hour": 2, "minute": 49}
